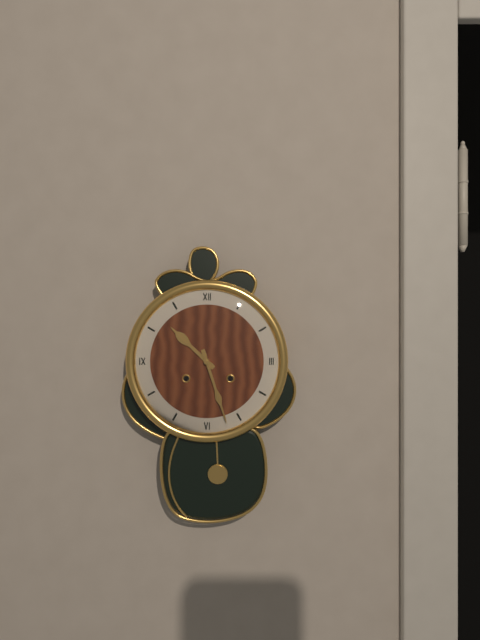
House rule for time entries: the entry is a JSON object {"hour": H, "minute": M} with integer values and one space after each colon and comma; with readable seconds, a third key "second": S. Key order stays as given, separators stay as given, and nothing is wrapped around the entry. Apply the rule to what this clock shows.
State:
{"hour": 10, "minute": 27}
